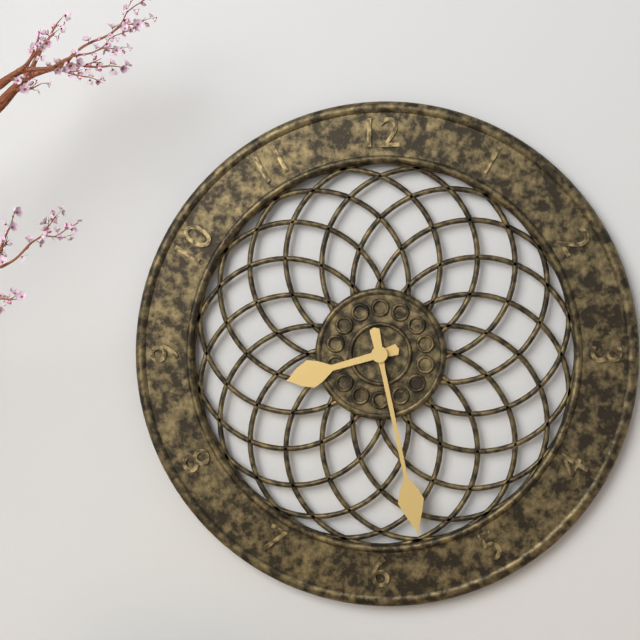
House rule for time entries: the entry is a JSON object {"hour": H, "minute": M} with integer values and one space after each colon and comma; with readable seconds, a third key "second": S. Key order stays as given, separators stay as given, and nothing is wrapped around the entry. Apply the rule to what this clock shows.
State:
{"hour": 8, "minute": 28}
